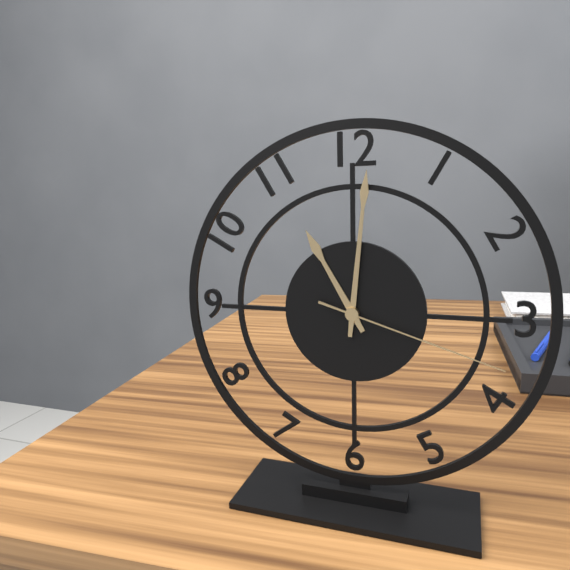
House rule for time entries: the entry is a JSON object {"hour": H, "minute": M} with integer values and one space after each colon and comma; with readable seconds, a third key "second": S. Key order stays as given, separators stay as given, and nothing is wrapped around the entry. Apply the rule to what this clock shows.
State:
{"hour": 11, "minute": 1, "second": 18}
